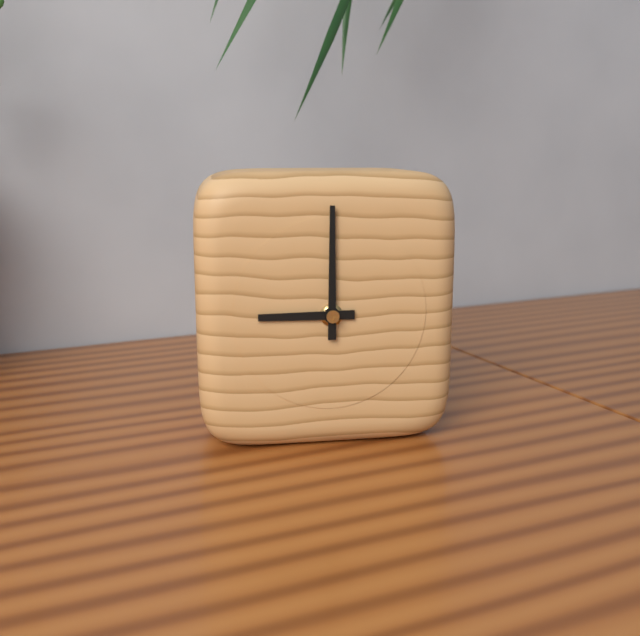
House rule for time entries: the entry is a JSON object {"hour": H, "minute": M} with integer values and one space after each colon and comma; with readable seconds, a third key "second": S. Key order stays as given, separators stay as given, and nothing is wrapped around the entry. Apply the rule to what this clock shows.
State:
{"hour": 9, "minute": 0}
